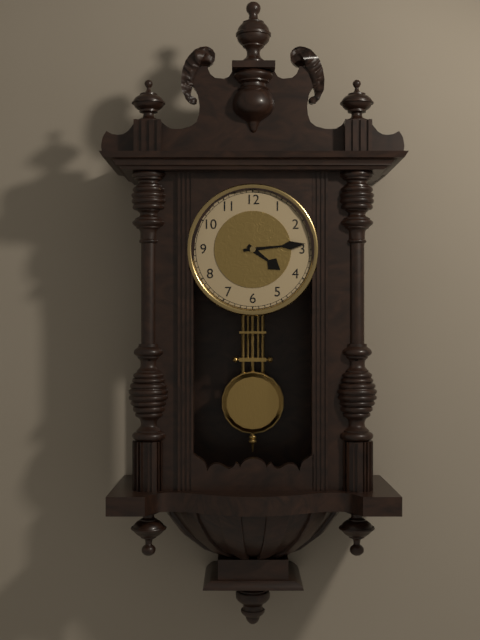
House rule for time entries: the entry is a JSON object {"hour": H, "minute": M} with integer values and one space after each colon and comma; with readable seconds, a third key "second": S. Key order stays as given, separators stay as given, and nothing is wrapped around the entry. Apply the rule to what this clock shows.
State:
{"hour": 4, "minute": 14}
